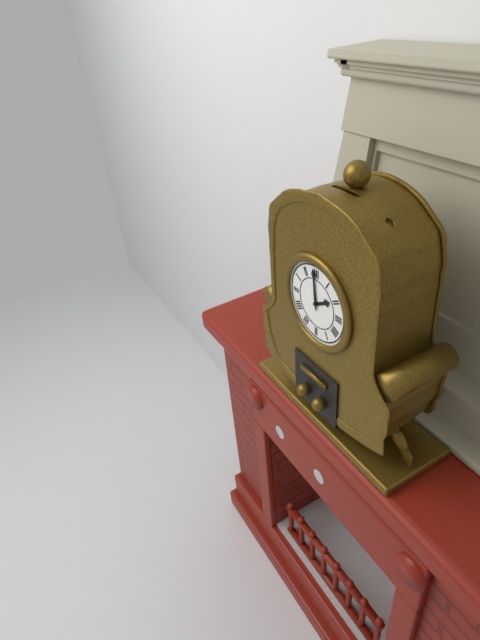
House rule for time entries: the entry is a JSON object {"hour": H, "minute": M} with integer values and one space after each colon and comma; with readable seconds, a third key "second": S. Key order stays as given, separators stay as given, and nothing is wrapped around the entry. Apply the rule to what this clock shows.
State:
{"hour": 1, "minute": 59}
